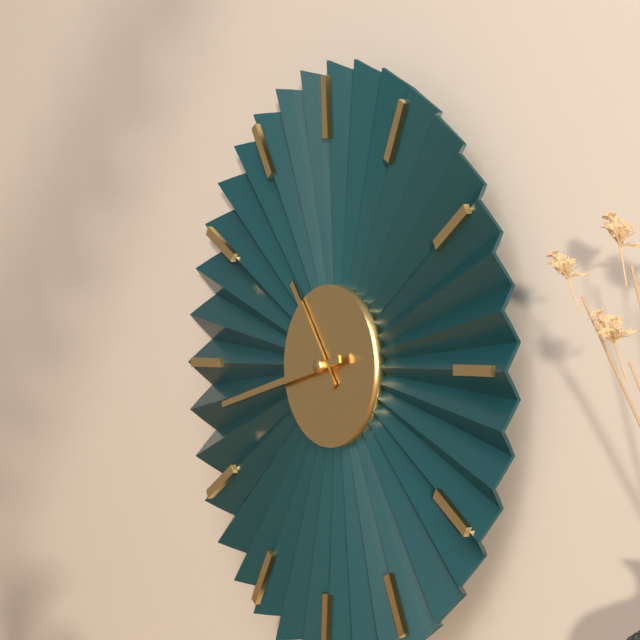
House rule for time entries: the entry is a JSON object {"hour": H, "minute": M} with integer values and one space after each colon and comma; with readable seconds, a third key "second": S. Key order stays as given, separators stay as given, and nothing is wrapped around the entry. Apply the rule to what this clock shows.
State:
{"hour": 10, "minute": 43}
